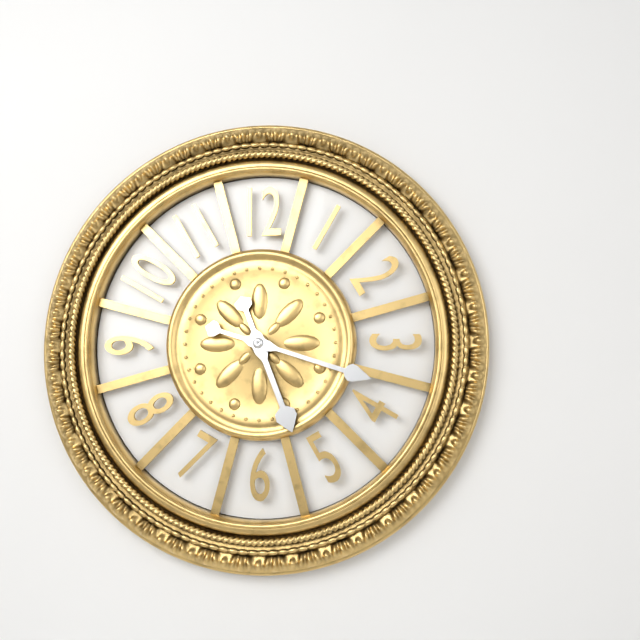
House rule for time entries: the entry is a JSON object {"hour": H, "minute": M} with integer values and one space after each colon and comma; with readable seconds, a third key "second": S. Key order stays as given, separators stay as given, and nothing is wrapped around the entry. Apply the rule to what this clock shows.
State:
{"hour": 5, "minute": 18}
